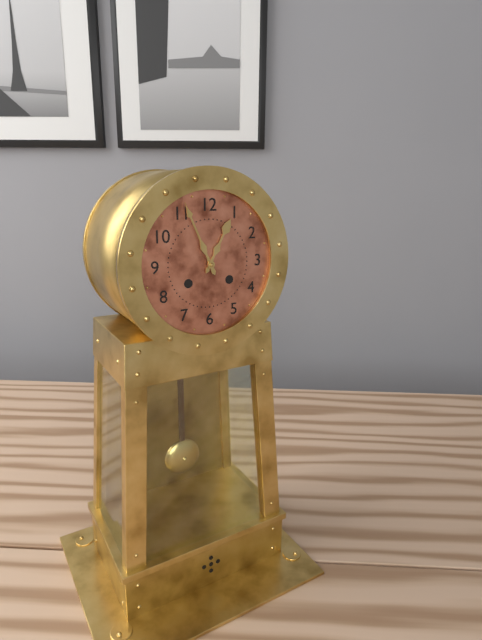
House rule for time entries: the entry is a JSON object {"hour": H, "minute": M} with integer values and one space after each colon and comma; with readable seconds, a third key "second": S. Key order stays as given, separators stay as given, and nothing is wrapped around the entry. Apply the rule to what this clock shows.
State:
{"hour": 12, "minute": 56}
